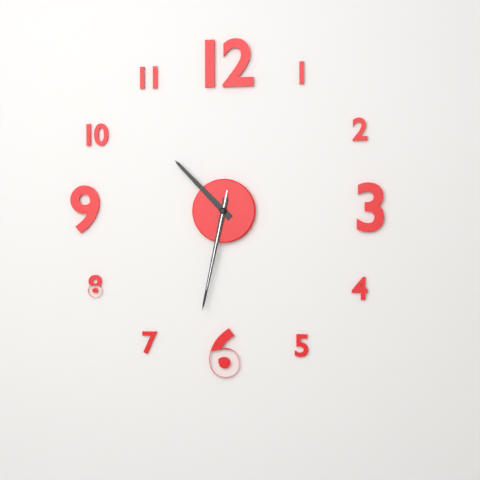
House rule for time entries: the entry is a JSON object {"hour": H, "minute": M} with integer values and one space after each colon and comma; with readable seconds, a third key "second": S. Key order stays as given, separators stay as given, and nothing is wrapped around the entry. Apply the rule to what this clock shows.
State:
{"hour": 10, "minute": 32, "second": 32}
